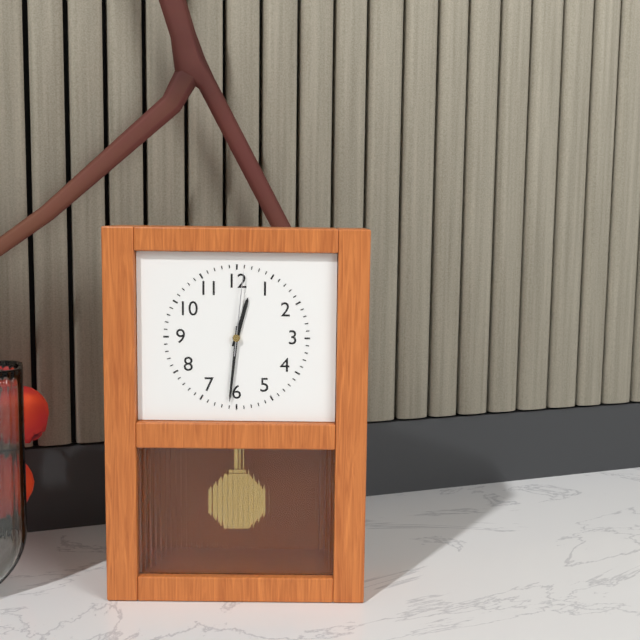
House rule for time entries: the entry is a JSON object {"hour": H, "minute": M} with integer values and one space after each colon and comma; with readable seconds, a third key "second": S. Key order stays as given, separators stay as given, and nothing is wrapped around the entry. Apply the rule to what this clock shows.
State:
{"hour": 12, "minute": 31, "second": 1}
